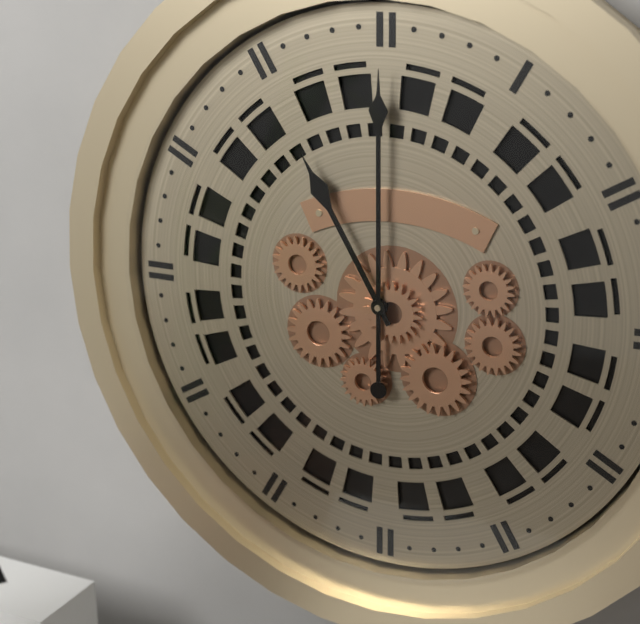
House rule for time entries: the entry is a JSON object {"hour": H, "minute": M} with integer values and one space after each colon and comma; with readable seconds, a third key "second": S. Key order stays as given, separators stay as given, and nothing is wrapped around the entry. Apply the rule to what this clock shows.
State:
{"hour": 11, "minute": 0}
